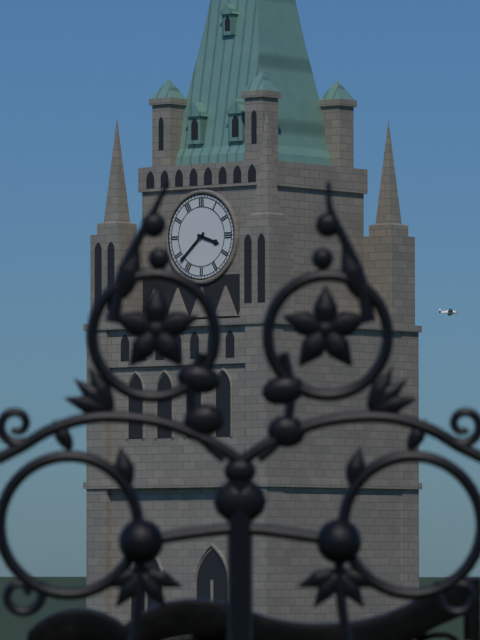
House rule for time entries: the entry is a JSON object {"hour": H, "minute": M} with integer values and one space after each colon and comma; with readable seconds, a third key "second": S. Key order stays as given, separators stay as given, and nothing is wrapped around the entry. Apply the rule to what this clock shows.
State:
{"hour": 3, "minute": 38}
